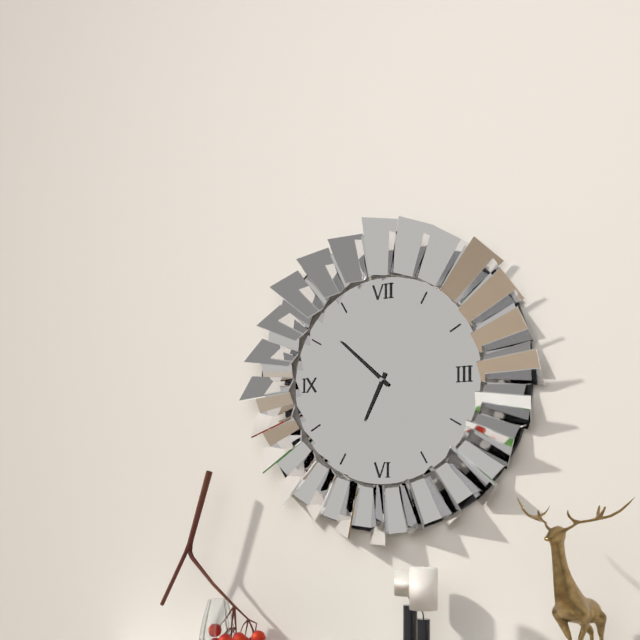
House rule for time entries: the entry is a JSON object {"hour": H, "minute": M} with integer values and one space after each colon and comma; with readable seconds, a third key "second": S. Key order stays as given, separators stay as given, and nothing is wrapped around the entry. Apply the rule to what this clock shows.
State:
{"hour": 6, "minute": 52}
